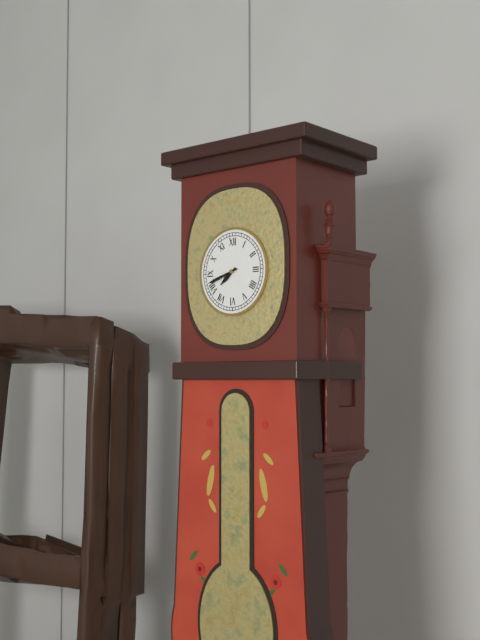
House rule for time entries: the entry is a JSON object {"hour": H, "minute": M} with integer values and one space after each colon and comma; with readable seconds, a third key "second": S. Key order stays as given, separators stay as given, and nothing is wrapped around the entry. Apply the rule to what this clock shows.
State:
{"hour": 7, "minute": 42}
